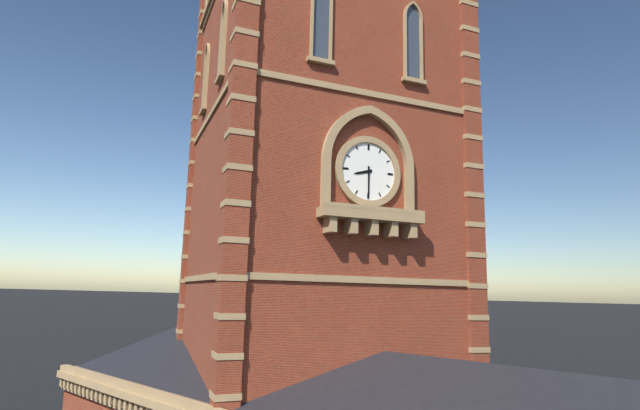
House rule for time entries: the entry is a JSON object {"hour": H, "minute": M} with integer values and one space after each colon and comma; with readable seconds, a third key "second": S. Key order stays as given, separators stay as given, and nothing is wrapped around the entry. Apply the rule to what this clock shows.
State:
{"hour": 8, "minute": 30}
